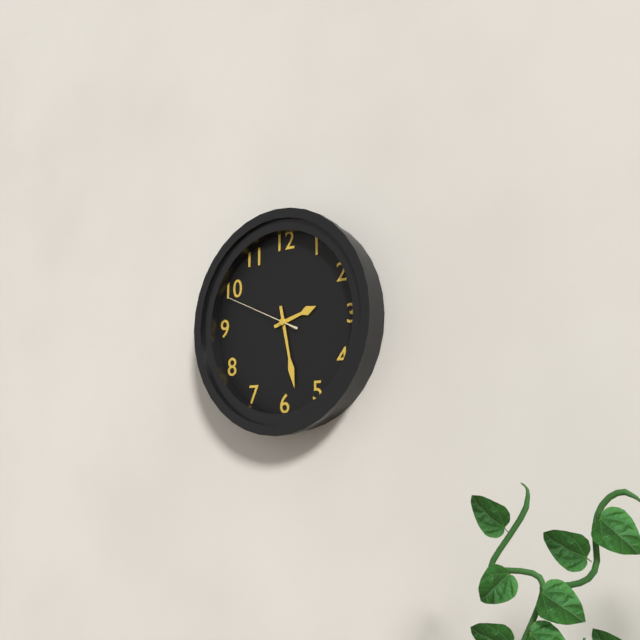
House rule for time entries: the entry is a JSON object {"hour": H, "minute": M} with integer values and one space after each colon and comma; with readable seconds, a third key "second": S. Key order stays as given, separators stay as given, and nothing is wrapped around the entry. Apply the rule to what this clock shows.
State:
{"hour": 2, "minute": 28, "second": 49}
